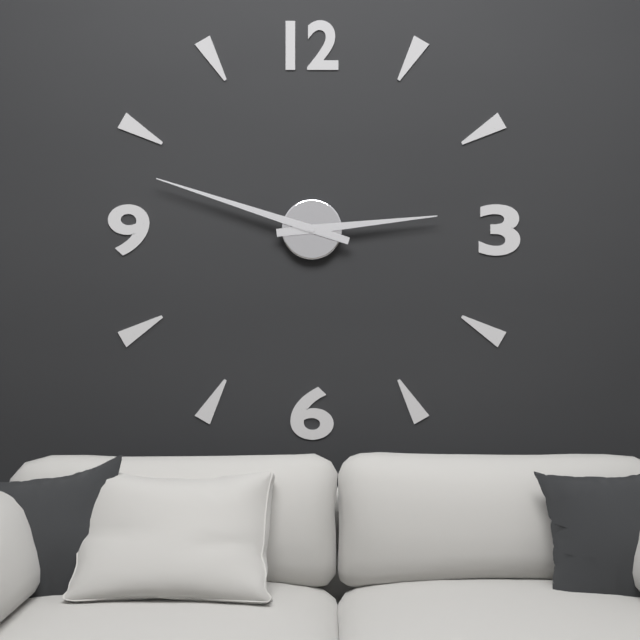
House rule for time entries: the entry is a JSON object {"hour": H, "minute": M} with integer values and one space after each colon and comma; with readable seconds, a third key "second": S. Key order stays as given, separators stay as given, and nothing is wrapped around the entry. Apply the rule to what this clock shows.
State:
{"hour": 2, "minute": 48}
